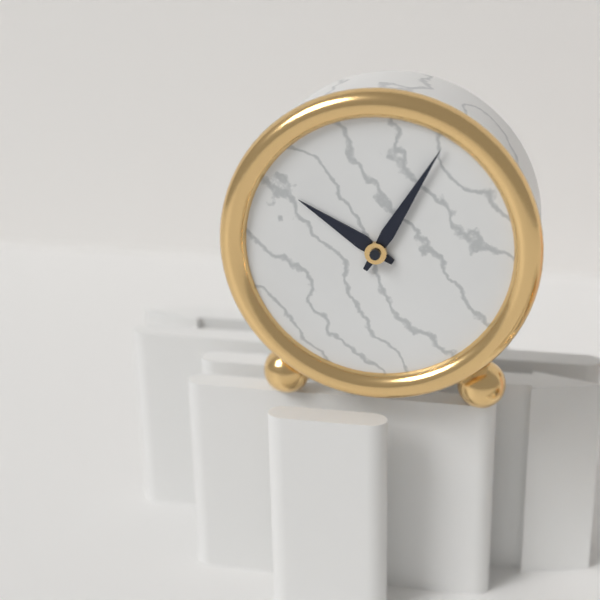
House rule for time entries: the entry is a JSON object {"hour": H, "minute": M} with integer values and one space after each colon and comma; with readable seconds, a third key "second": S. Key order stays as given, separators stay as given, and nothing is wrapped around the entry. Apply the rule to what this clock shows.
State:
{"hour": 10, "minute": 5}
